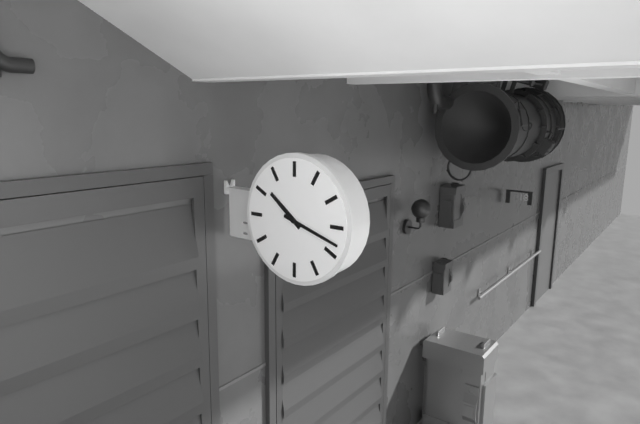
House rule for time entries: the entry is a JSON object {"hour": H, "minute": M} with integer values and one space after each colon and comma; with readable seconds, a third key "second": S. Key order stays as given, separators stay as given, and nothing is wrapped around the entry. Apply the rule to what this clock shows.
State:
{"hour": 10, "minute": 18}
